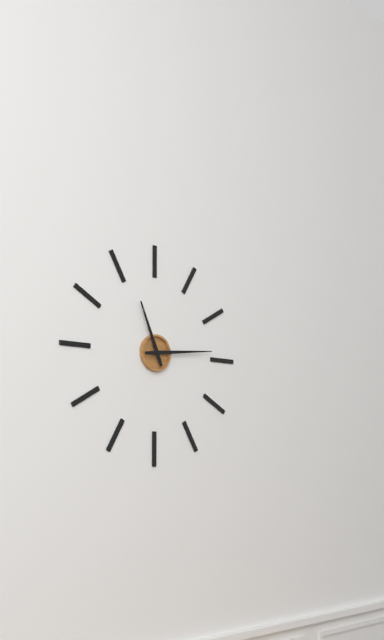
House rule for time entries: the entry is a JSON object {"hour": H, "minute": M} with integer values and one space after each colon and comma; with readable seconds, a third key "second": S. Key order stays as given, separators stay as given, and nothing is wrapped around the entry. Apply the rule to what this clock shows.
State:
{"hour": 11, "minute": 14}
